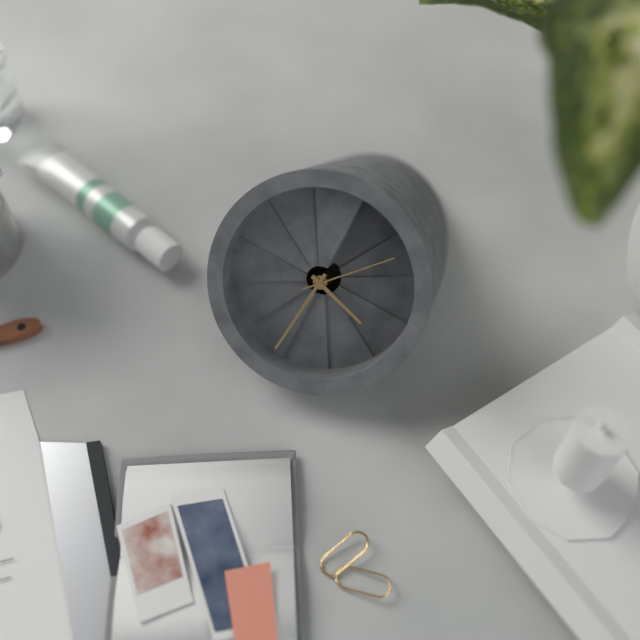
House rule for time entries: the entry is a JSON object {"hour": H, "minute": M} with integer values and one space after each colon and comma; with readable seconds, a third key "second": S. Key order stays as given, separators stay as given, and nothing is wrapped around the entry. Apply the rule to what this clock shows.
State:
{"hour": 3, "minute": 31, "second": 7}
